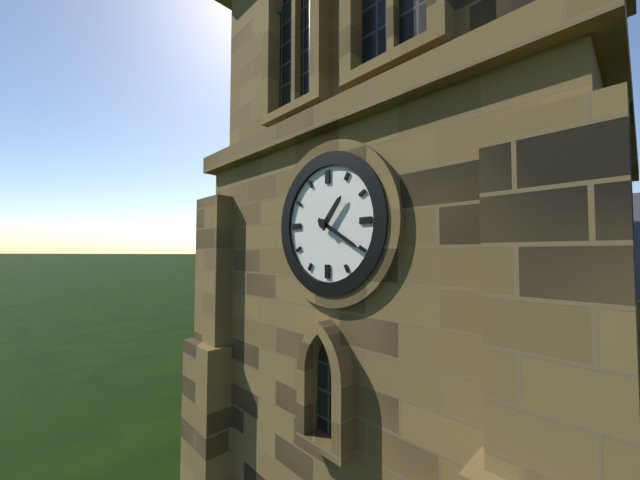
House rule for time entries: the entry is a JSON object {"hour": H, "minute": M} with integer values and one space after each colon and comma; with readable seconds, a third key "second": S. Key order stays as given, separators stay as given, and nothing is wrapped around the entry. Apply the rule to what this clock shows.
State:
{"hour": 1, "minute": 20}
